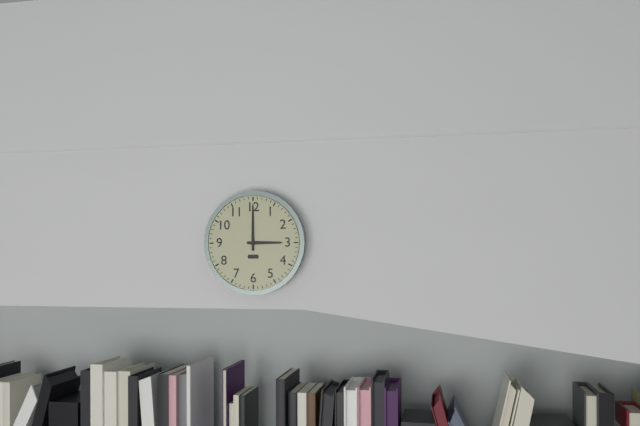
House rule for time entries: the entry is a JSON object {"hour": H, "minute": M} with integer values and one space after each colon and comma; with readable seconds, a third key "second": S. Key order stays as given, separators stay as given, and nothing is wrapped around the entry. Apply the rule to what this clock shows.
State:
{"hour": 3, "minute": 0}
